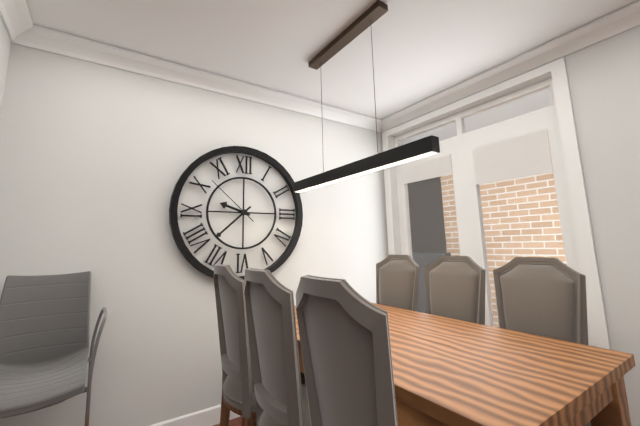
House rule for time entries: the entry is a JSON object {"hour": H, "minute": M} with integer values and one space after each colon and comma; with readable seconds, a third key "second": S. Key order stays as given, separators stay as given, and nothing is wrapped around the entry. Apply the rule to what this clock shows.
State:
{"hour": 9, "minute": 38, "second": 52}
